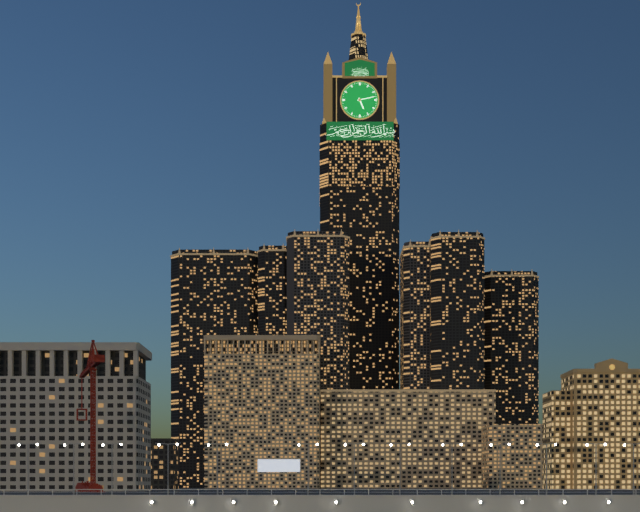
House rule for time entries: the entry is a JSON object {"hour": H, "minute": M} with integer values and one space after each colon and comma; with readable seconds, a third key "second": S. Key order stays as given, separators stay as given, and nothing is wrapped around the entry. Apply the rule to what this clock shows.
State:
{"hour": 5, "minute": 13}
